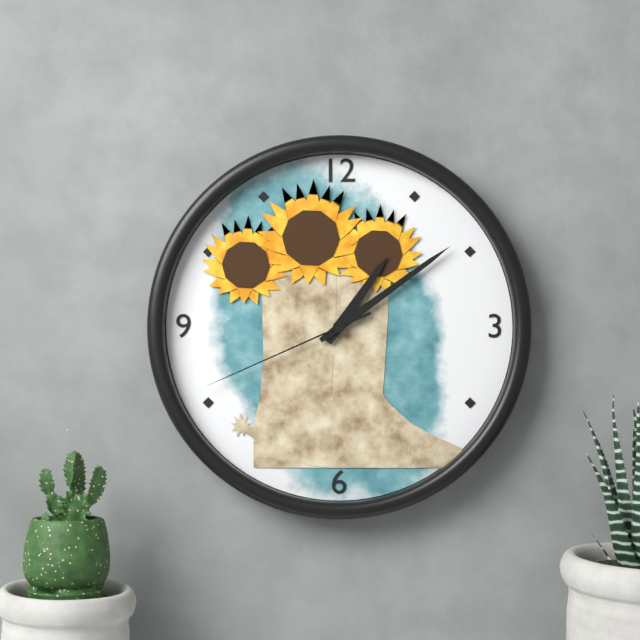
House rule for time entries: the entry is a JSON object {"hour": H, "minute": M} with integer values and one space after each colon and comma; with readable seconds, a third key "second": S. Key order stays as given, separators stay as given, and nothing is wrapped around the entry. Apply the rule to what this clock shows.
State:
{"hour": 1, "minute": 9, "second": 41}
